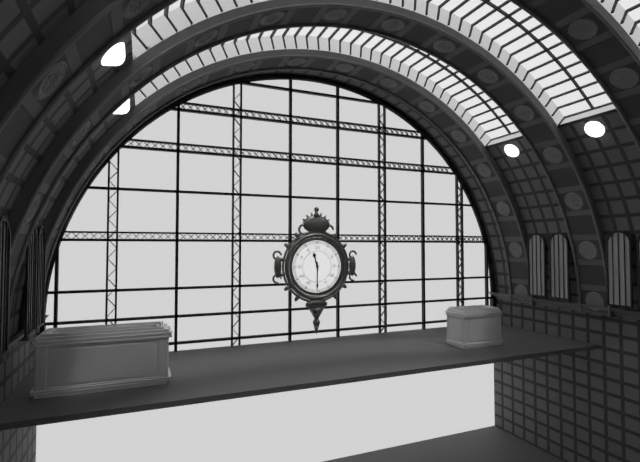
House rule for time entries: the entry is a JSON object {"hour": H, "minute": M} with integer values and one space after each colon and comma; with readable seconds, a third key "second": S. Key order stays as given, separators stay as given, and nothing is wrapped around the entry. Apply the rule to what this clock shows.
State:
{"hour": 11, "minute": 30}
